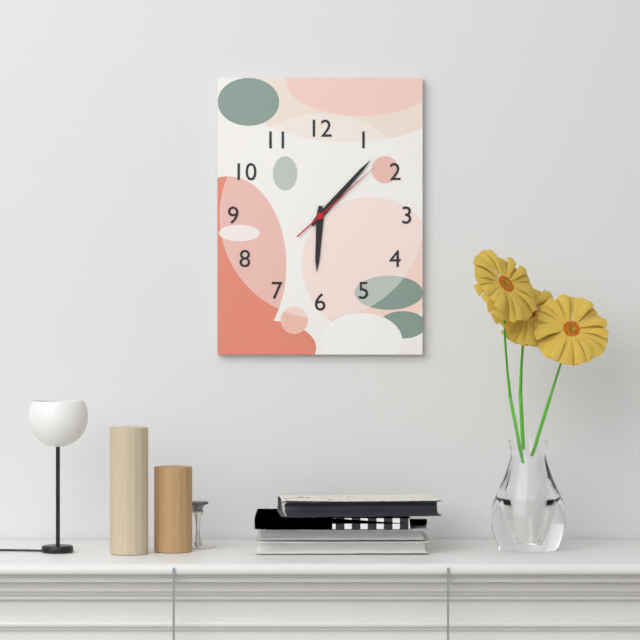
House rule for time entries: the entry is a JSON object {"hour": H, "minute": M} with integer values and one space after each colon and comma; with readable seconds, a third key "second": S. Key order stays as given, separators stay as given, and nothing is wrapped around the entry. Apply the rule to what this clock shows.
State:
{"hour": 6, "minute": 7, "second": 8}
